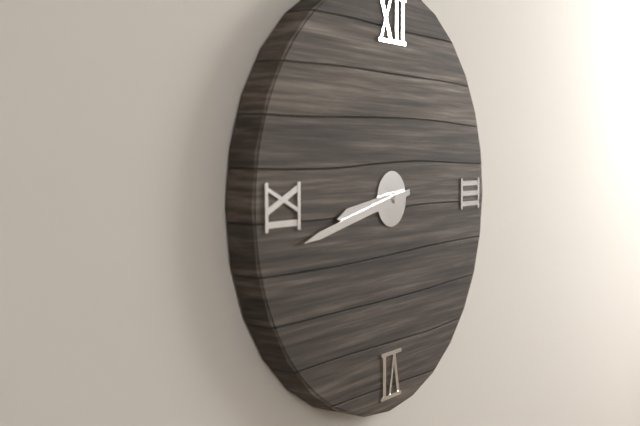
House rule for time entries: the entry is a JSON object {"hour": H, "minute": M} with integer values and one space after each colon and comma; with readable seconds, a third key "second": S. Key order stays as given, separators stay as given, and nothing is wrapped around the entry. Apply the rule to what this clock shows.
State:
{"hour": 8, "minute": 43}
